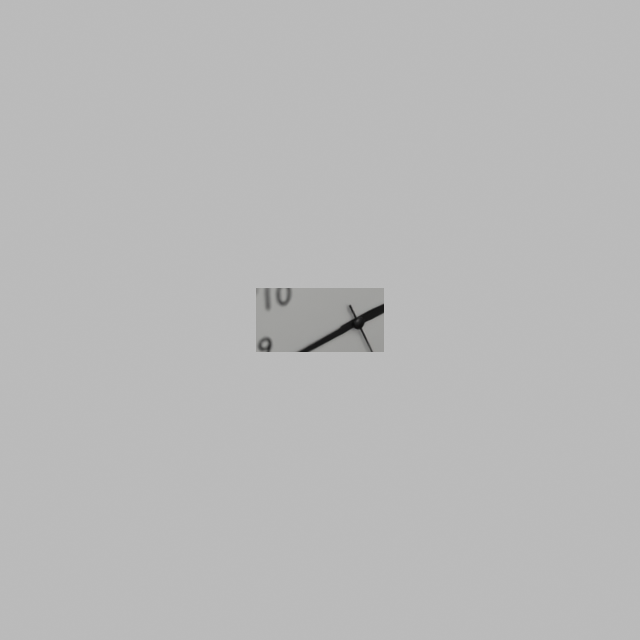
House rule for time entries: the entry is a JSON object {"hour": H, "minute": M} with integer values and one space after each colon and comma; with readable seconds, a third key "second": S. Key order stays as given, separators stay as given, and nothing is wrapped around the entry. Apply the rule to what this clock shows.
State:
{"hour": 2, "minute": 43, "second": 26}
